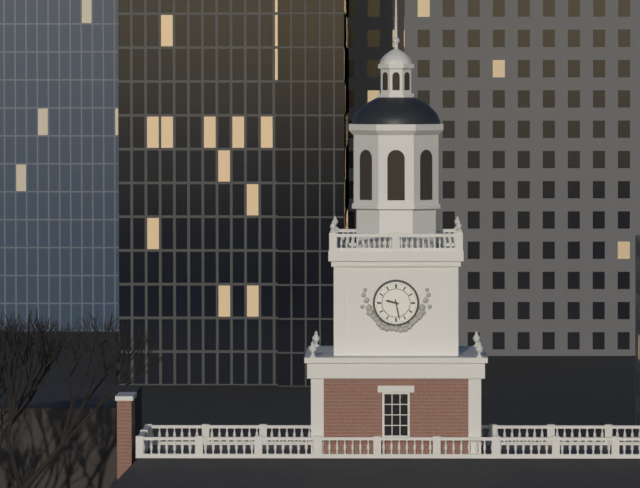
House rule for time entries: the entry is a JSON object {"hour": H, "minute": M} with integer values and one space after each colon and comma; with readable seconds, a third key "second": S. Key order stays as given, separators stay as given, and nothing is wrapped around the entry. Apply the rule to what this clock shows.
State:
{"hour": 9, "minute": 28}
